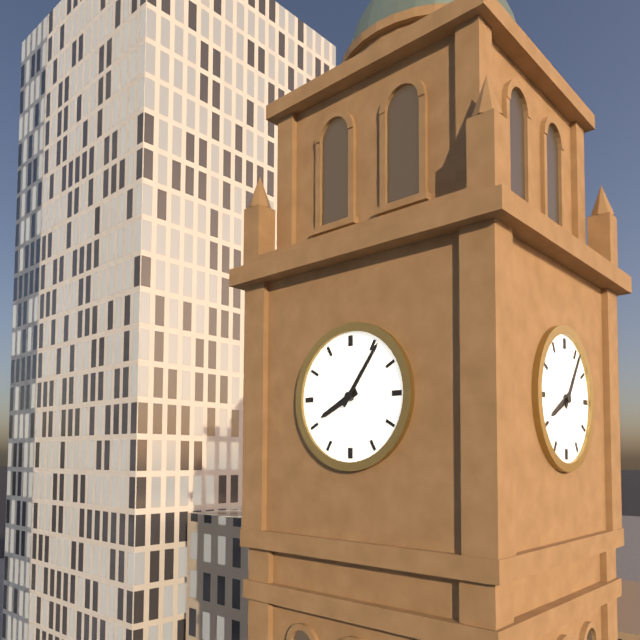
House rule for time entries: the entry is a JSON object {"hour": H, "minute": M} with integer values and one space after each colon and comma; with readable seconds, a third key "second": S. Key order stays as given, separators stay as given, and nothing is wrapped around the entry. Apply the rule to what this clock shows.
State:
{"hour": 8, "minute": 6}
